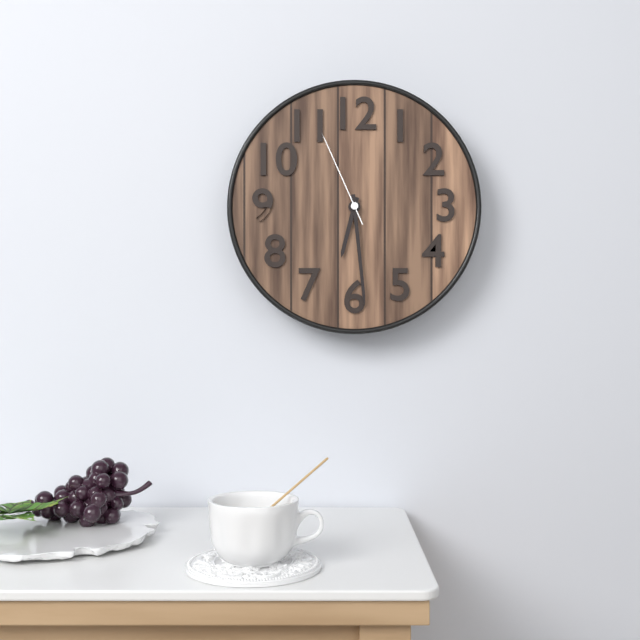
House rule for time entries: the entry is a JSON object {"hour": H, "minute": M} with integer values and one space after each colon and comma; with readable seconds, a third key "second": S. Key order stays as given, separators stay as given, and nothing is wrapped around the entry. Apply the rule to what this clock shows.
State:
{"hour": 6, "minute": 29, "second": 56}
